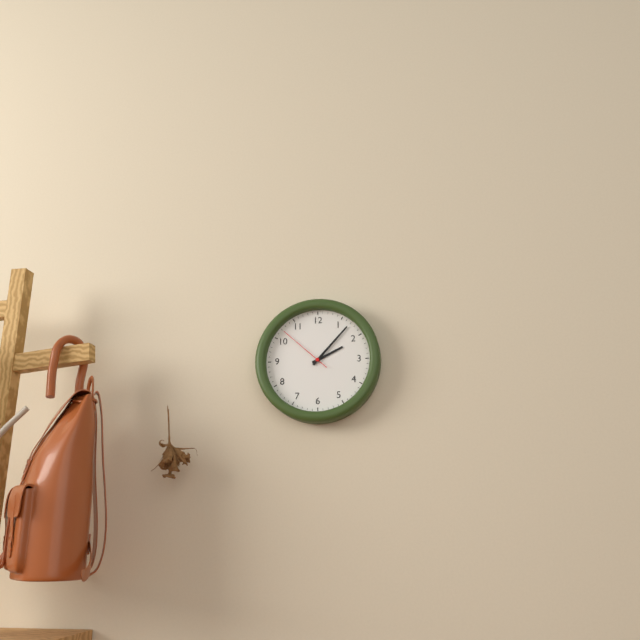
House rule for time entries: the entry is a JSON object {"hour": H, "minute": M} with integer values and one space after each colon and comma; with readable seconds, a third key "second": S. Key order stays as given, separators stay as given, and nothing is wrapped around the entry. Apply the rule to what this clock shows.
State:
{"hour": 2, "minute": 7, "second": 52}
